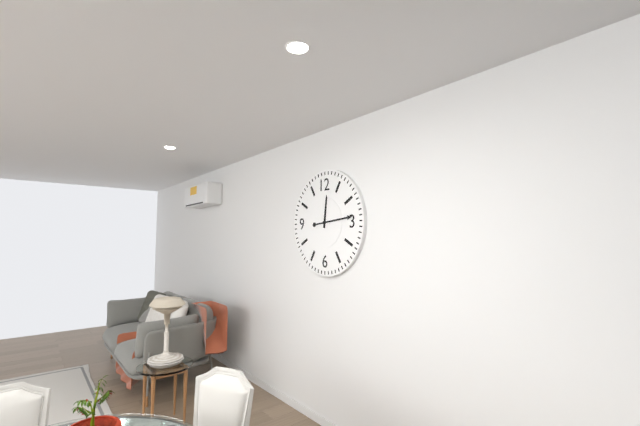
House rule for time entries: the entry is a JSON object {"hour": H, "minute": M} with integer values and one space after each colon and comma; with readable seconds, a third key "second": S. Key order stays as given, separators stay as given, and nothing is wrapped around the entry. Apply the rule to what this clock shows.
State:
{"hour": 12, "minute": 14}
